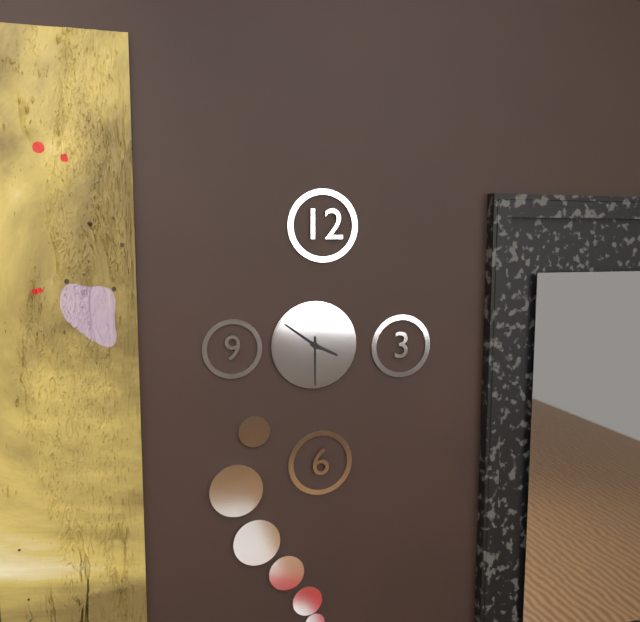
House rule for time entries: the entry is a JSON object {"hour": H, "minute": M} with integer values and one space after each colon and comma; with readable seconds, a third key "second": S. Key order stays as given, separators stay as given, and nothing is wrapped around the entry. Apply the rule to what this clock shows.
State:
{"hour": 3, "minute": 51, "second": 30}
